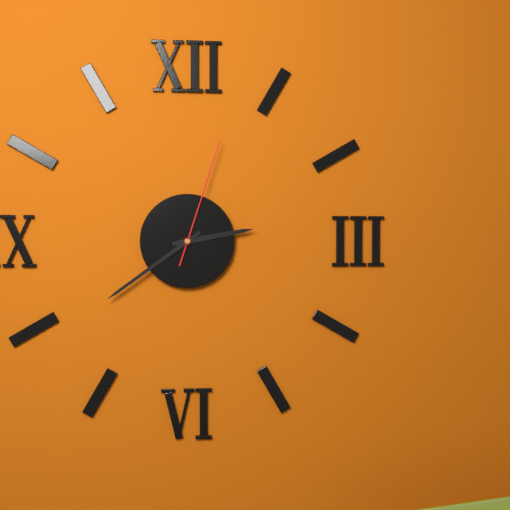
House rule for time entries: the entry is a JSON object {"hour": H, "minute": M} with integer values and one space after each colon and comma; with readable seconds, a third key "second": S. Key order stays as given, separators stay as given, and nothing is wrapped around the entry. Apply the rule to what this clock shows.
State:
{"hour": 2, "minute": 39, "second": 3}
